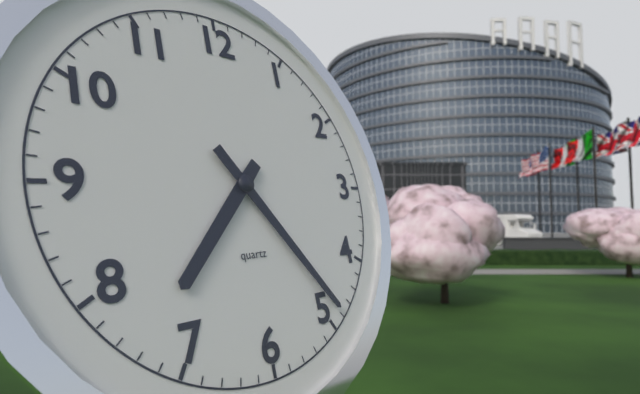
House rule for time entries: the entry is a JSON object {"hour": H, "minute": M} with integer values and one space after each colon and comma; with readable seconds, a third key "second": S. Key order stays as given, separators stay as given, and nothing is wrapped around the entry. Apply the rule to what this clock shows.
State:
{"hour": 7, "minute": 24}
